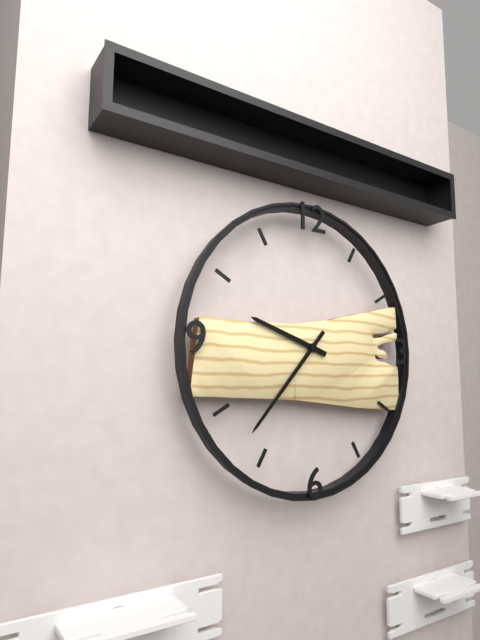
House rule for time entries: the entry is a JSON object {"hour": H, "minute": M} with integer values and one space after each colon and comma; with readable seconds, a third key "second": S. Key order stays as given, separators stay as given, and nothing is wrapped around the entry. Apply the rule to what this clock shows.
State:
{"hour": 9, "minute": 37}
